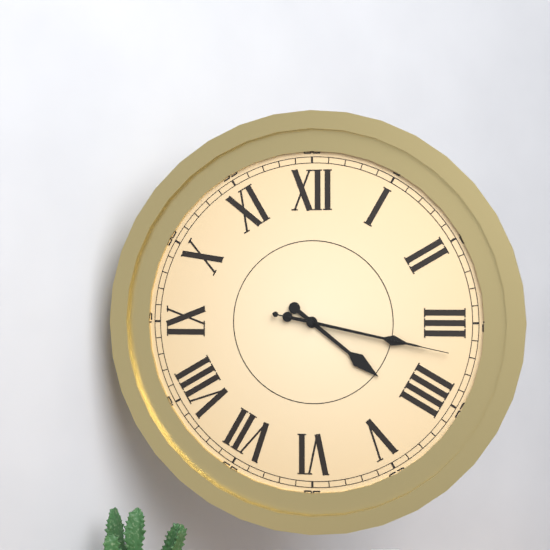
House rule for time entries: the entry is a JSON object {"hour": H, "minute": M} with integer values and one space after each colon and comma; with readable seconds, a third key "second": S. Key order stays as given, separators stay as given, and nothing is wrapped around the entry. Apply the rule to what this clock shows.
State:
{"hour": 4, "minute": 17, "second": 17}
